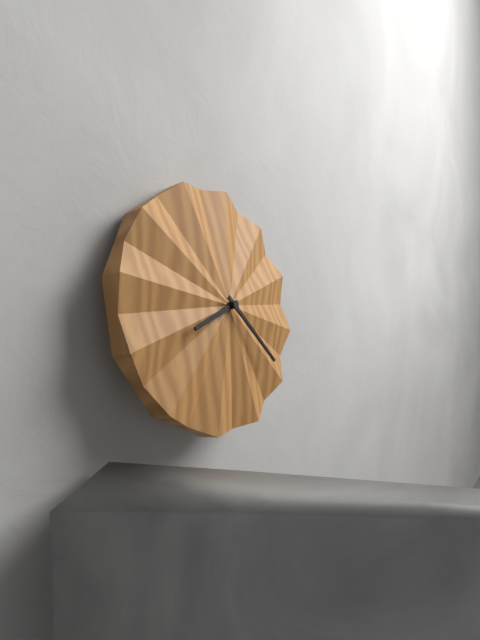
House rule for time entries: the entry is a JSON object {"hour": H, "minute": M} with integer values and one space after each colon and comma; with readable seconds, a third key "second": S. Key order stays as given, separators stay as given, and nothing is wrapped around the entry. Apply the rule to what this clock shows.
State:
{"hour": 8, "minute": 23}
